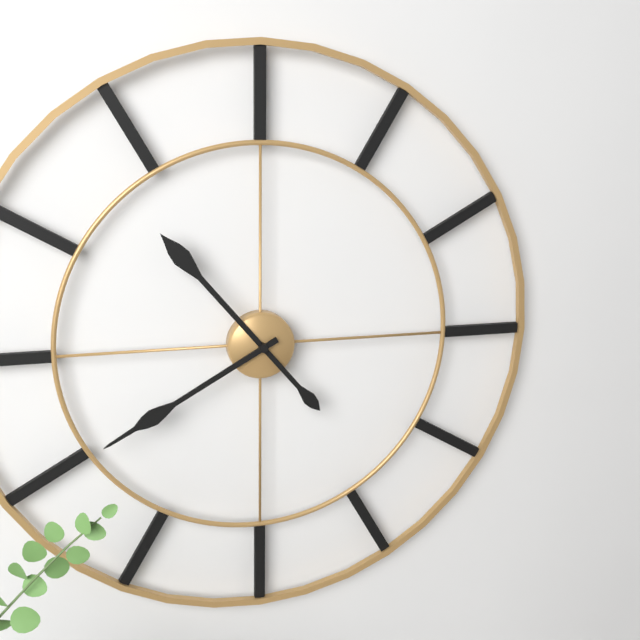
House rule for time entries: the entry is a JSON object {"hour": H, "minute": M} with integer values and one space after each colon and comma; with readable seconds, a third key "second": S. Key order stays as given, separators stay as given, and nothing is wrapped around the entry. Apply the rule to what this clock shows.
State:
{"hour": 10, "minute": 40}
